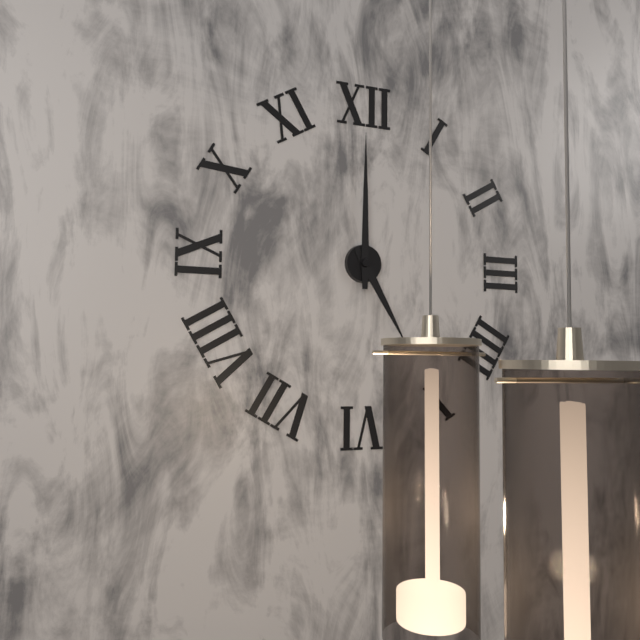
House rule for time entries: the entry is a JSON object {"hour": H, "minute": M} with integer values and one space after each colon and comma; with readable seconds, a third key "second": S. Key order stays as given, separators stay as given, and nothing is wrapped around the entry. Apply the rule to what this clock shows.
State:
{"hour": 5, "minute": 0}
